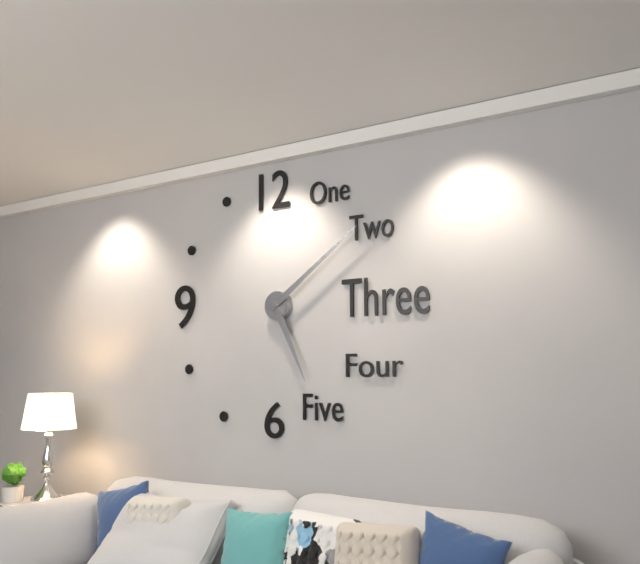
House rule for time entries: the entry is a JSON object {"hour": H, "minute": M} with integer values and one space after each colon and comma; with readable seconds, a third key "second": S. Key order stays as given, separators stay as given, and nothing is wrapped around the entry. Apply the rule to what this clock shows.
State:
{"hour": 5, "minute": 9}
